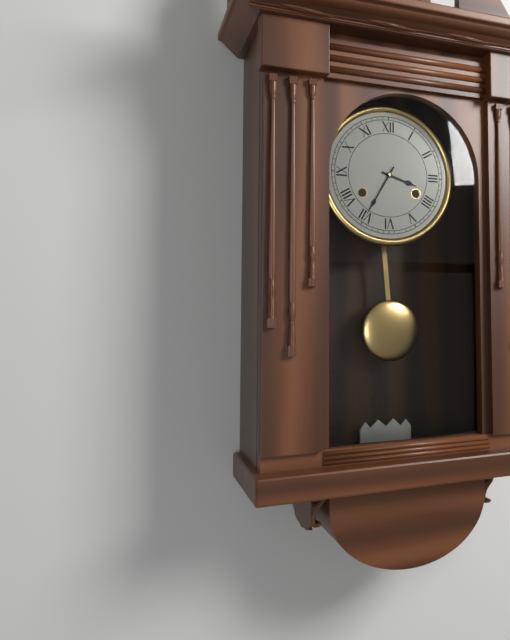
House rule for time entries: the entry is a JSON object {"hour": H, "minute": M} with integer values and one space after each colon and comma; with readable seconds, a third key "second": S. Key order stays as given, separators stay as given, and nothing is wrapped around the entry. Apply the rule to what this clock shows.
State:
{"hour": 3, "minute": 35}
